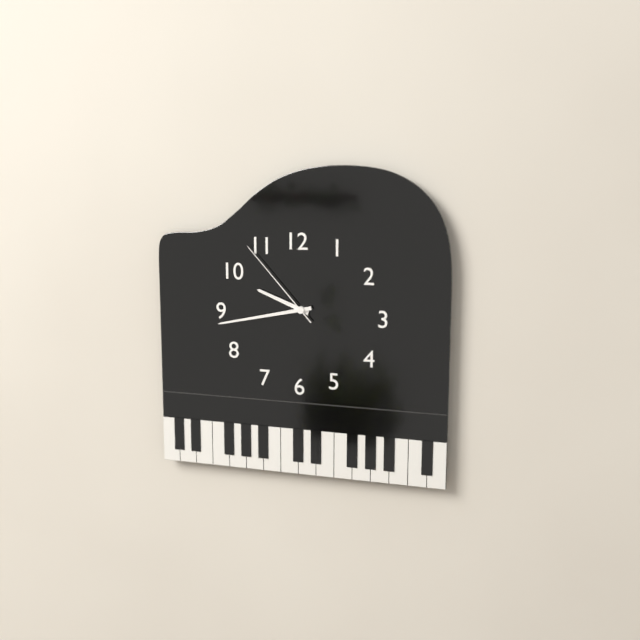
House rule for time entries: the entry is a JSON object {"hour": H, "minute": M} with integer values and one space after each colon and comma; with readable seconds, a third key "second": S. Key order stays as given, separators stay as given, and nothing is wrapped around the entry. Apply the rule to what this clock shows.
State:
{"hour": 9, "minute": 43, "second": 53}
